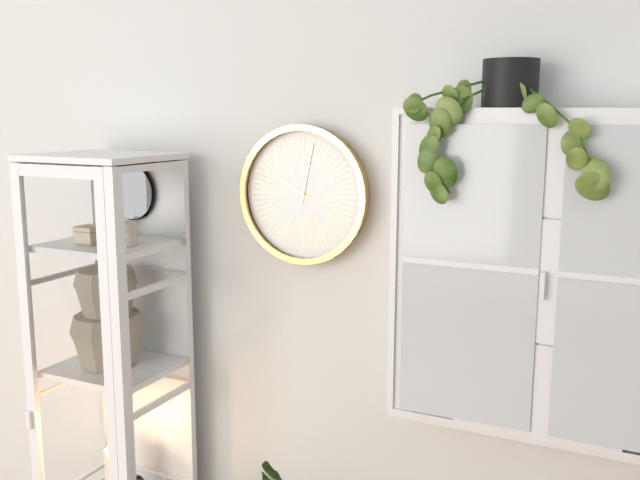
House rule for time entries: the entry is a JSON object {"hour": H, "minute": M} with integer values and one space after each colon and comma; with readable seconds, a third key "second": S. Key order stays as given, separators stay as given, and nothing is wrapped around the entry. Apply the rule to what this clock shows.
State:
{"hour": 10, "minute": 2}
